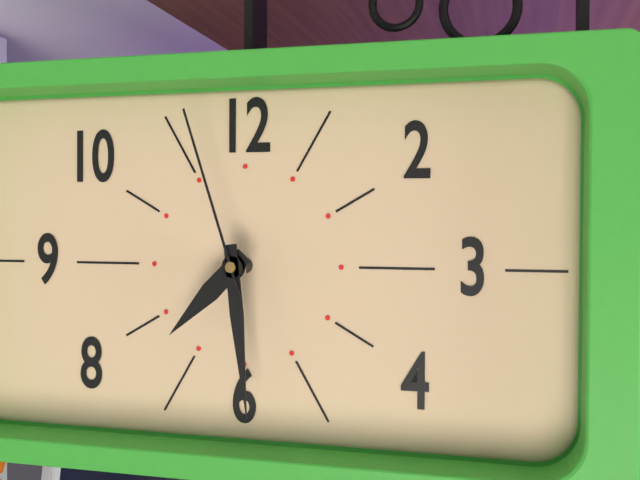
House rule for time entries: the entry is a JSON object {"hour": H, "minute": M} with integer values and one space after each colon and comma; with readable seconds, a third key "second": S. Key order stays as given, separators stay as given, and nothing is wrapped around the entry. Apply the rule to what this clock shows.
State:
{"hour": 7, "minute": 29, "second": 57}
